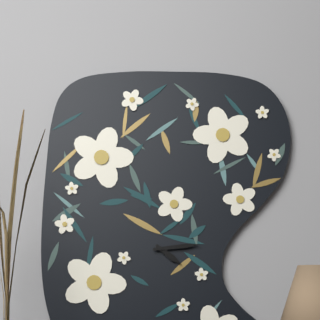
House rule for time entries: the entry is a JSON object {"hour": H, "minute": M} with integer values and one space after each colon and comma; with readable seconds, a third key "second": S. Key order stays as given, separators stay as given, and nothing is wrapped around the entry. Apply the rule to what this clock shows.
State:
{"hour": 4, "minute": 14}
